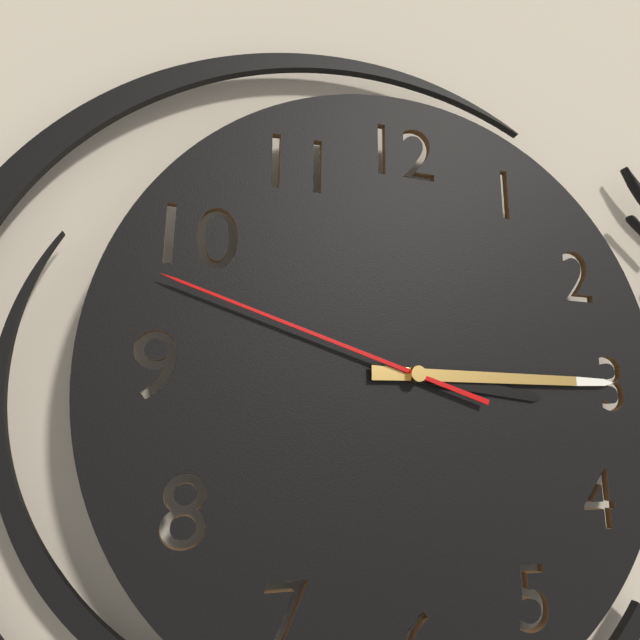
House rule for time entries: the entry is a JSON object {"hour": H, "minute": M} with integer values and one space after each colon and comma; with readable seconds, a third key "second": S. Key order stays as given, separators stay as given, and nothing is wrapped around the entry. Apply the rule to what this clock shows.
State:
{"hour": 3, "minute": 15, "second": 48}
